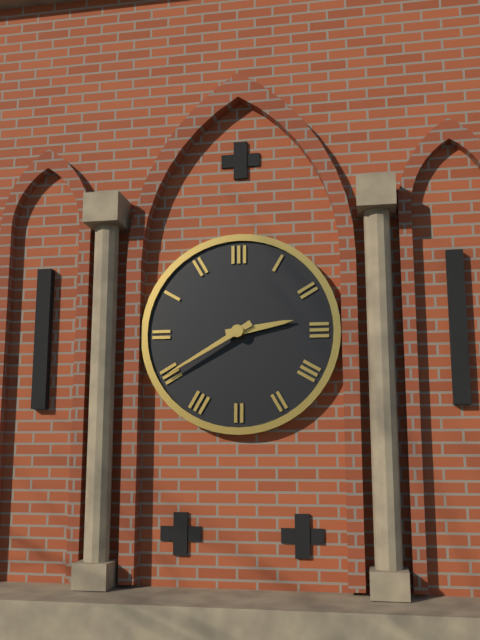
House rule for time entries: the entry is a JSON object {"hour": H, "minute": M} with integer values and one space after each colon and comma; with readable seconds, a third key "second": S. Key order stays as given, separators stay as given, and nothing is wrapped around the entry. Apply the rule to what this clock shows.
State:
{"hour": 2, "minute": 40}
